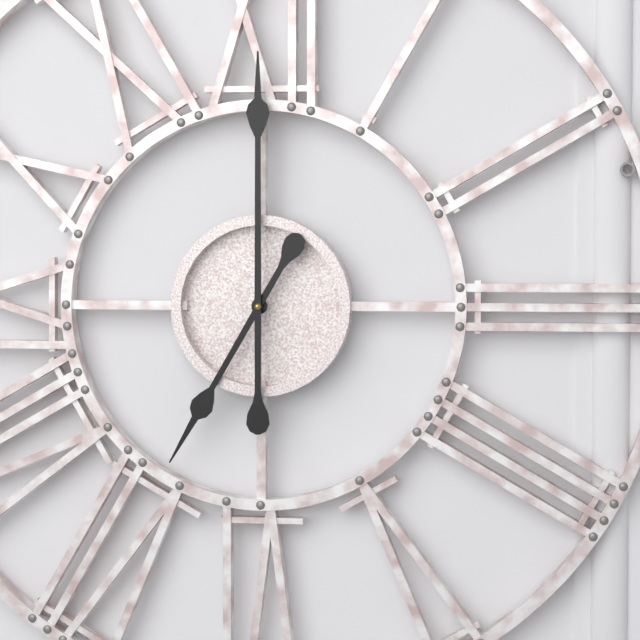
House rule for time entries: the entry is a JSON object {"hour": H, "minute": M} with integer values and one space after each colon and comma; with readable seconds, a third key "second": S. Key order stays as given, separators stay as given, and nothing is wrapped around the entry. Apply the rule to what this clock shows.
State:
{"hour": 7, "minute": 0}
